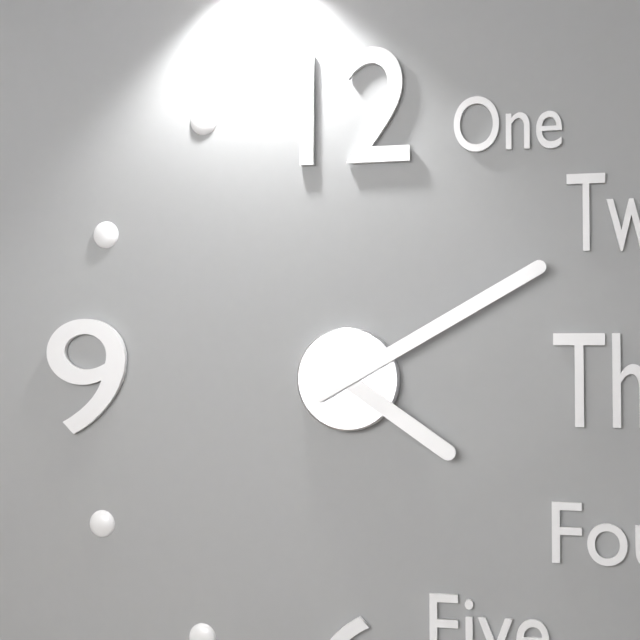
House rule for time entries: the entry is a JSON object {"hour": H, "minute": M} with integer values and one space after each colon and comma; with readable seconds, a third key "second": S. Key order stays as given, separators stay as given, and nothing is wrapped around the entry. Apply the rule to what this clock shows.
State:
{"hour": 4, "minute": 10}
